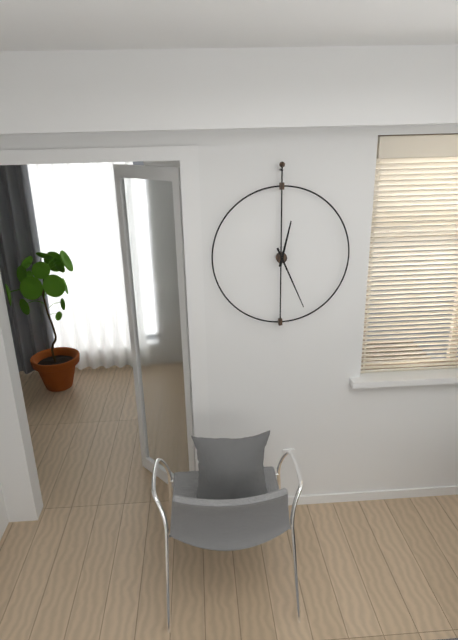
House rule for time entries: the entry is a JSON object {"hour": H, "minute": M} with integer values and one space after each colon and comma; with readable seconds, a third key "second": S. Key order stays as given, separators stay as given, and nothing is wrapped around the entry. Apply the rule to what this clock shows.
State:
{"hour": 12, "minute": 26}
